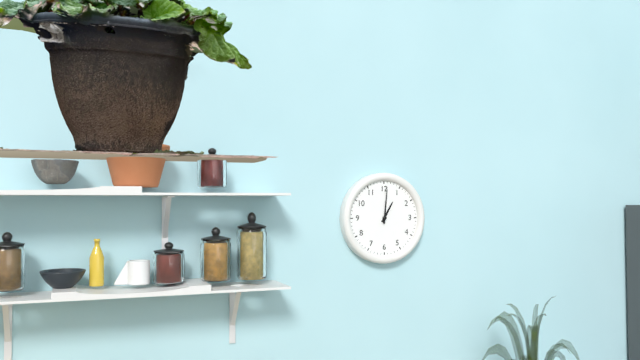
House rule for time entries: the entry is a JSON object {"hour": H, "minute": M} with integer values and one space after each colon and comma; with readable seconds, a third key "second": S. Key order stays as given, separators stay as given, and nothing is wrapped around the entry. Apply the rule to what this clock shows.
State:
{"hour": 1, "minute": 1}
